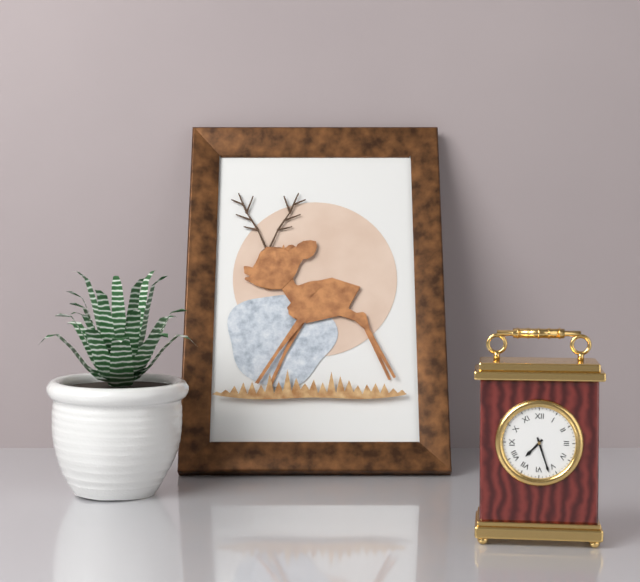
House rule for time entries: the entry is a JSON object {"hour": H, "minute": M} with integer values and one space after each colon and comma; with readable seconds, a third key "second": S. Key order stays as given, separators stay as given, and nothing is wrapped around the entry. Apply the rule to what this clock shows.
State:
{"hour": 7, "minute": 27}
